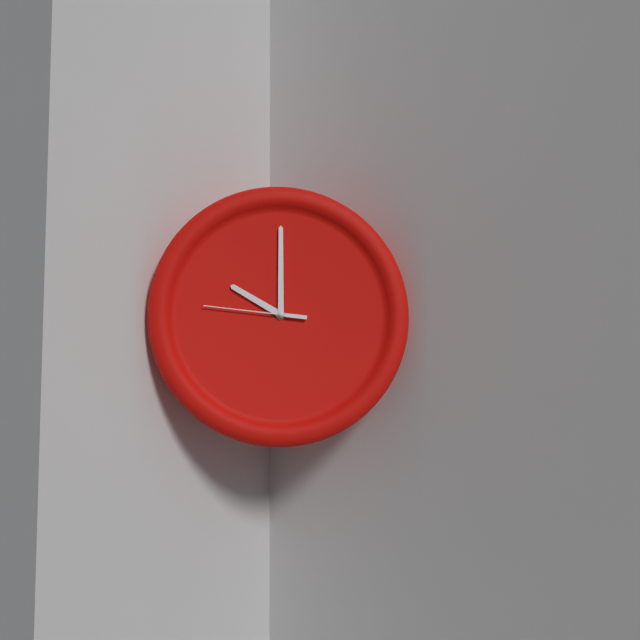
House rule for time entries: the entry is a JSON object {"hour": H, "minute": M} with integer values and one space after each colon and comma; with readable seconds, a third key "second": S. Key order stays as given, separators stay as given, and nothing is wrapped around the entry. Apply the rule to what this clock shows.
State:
{"hour": 10, "minute": 0, "second": 46}
